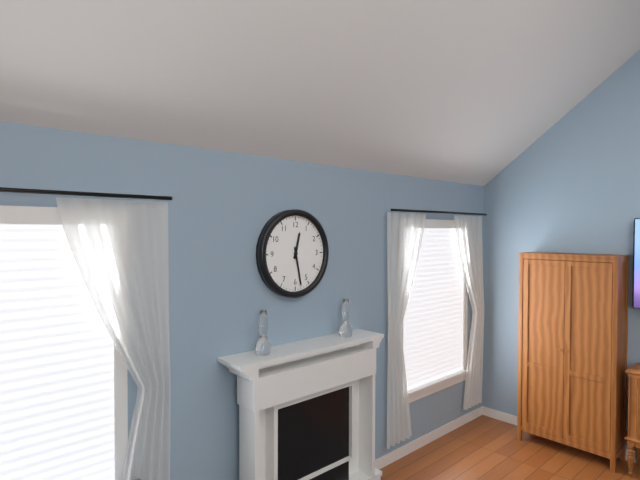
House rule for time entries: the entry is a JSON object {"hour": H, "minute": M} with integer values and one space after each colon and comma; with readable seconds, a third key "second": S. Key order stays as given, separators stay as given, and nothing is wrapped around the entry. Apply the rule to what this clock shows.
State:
{"hour": 12, "minute": 28}
